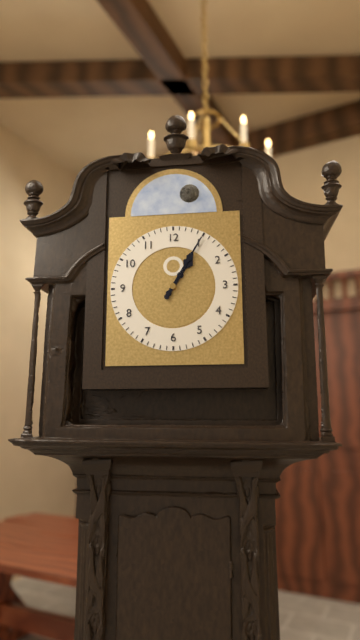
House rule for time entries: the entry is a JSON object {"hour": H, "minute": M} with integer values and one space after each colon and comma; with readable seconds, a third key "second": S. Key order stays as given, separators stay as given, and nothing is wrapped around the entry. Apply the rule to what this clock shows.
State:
{"hour": 1, "minute": 5}
